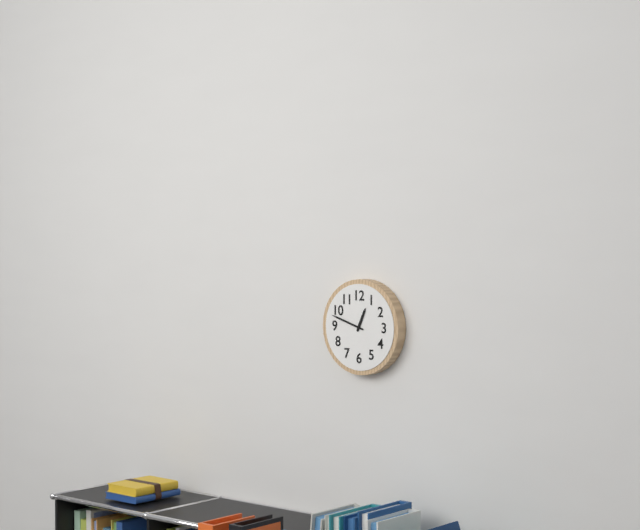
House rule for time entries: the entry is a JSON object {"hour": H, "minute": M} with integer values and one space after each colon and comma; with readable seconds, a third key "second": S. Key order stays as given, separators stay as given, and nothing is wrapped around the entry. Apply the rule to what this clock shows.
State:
{"hour": 12, "minute": 48}
